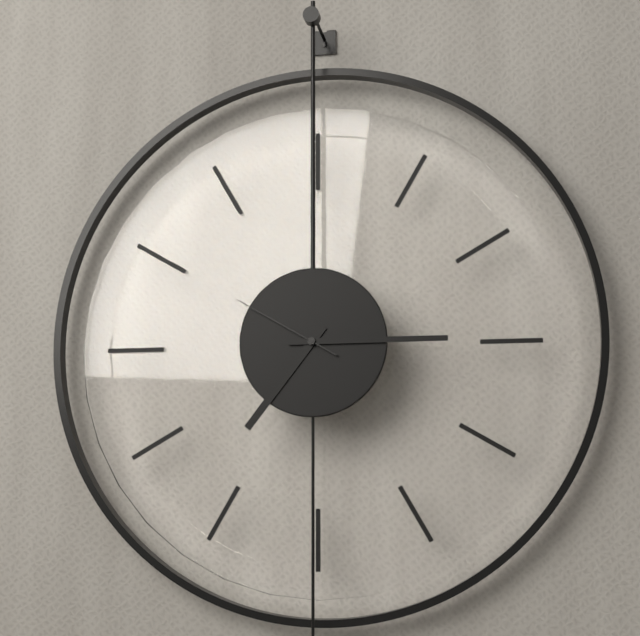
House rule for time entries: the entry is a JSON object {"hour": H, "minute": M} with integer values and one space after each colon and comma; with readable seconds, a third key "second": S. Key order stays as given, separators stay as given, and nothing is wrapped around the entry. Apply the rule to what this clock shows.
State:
{"hour": 7, "minute": 15, "second": 50}
